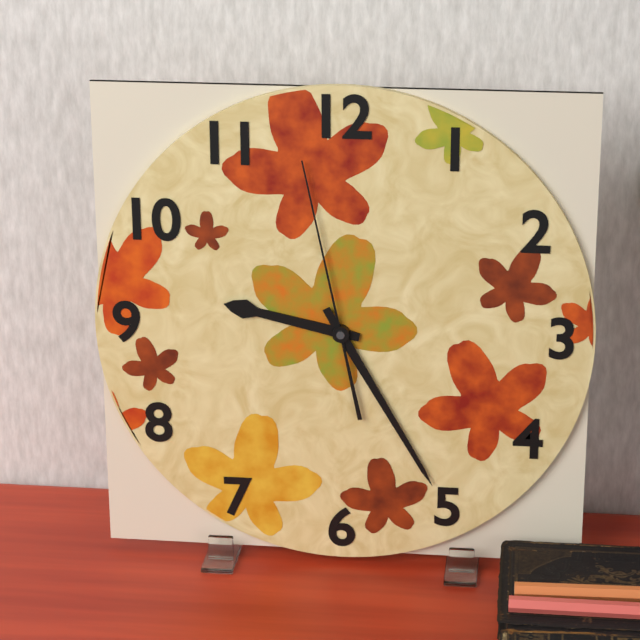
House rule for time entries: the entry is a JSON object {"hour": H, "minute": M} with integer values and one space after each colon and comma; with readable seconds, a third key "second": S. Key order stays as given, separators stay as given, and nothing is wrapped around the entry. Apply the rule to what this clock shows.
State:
{"hour": 9, "minute": 25, "second": 58}
